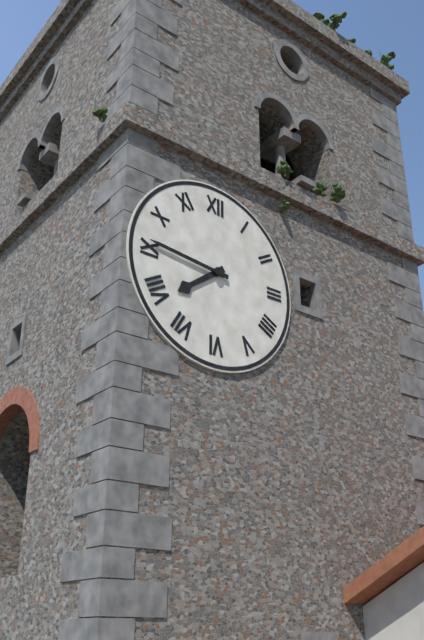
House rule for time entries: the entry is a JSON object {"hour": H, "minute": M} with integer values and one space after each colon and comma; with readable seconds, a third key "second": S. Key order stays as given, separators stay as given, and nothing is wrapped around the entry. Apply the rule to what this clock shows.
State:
{"hour": 7, "minute": 46}
